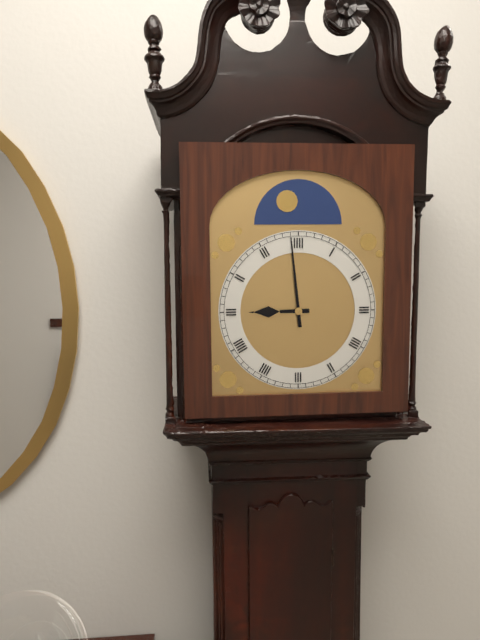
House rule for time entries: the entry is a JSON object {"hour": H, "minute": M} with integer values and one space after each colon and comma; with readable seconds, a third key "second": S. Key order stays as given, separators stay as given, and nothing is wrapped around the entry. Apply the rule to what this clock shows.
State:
{"hour": 8, "minute": 59}
